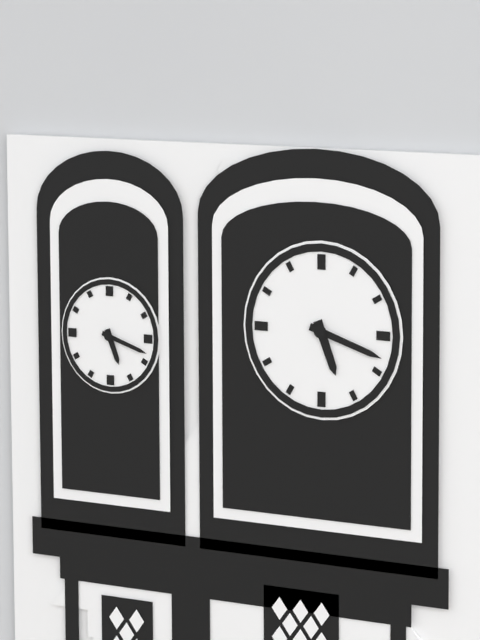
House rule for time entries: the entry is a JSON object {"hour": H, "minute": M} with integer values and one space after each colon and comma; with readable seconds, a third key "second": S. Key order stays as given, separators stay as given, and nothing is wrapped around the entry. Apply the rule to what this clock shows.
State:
{"hour": 5, "minute": 18}
